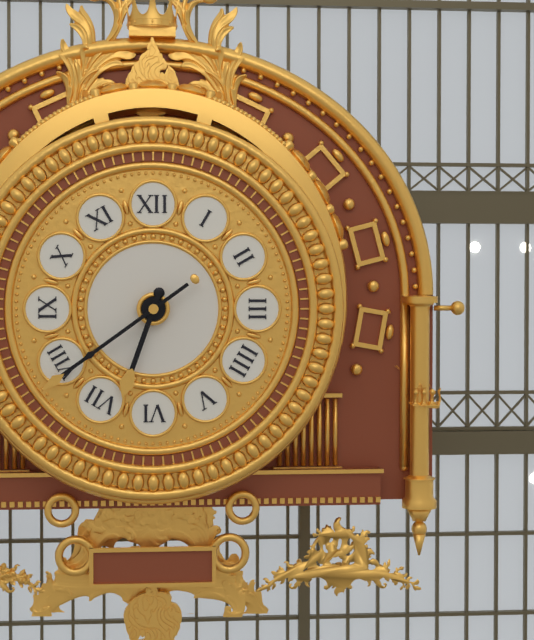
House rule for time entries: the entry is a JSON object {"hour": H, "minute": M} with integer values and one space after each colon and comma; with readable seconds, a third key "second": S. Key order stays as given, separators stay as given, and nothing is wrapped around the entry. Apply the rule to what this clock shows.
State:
{"hour": 6, "minute": 39}
